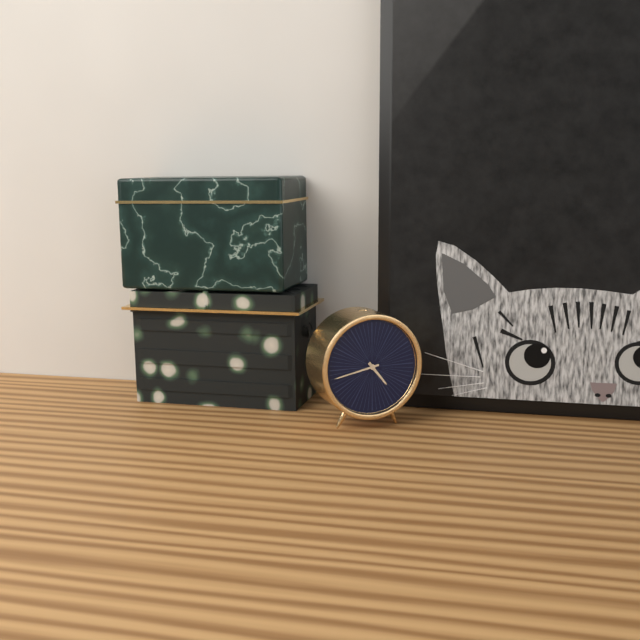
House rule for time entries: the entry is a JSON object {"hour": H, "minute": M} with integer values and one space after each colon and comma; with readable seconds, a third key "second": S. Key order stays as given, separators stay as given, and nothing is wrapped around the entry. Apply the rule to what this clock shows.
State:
{"hour": 4, "minute": 43}
